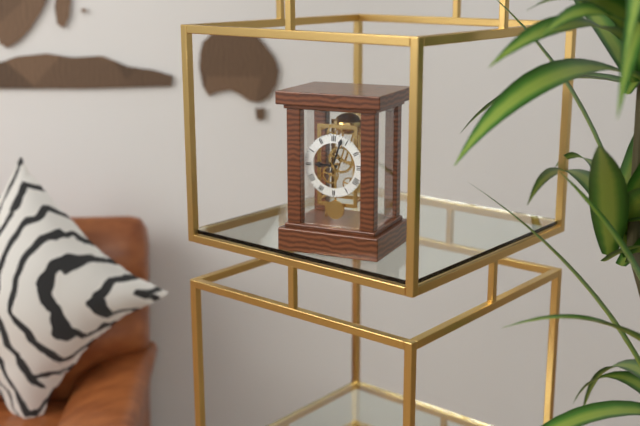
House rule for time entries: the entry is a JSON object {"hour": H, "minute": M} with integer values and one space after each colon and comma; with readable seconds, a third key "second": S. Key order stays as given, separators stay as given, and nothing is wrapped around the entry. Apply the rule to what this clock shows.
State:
{"hour": 9, "minute": 3}
